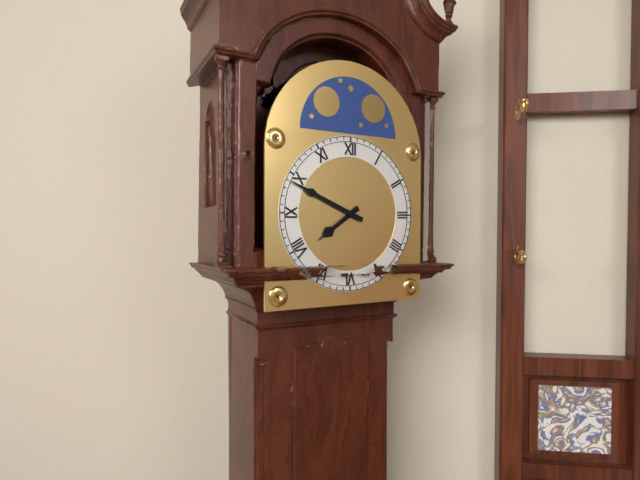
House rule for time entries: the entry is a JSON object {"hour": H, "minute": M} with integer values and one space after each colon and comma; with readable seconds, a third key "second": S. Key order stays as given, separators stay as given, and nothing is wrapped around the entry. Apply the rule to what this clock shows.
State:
{"hour": 7, "minute": 49}
